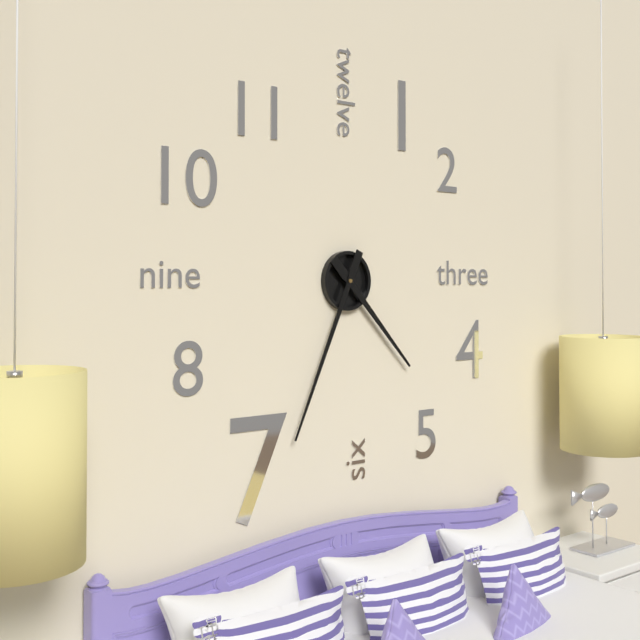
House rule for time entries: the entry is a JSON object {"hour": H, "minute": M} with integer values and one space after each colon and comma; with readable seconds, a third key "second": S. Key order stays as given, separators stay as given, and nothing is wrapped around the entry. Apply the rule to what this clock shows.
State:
{"hour": 4, "minute": 34}
